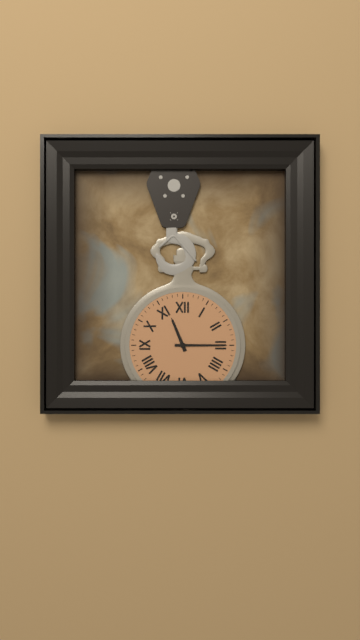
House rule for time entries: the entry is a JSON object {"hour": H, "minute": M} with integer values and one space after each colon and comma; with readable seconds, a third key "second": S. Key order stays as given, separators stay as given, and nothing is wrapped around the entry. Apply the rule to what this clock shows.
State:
{"hour": 11, "minute": 15}
